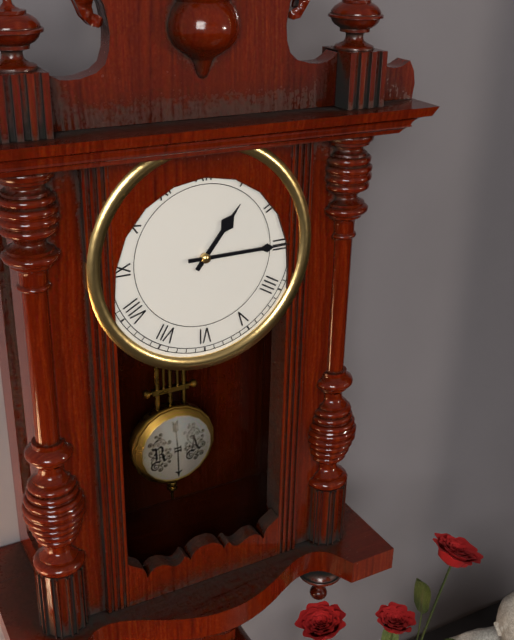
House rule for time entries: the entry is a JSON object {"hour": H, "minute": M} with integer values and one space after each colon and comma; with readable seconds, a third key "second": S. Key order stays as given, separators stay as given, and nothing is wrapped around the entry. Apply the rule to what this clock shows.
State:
{"hour": 1, "minute": 15}
